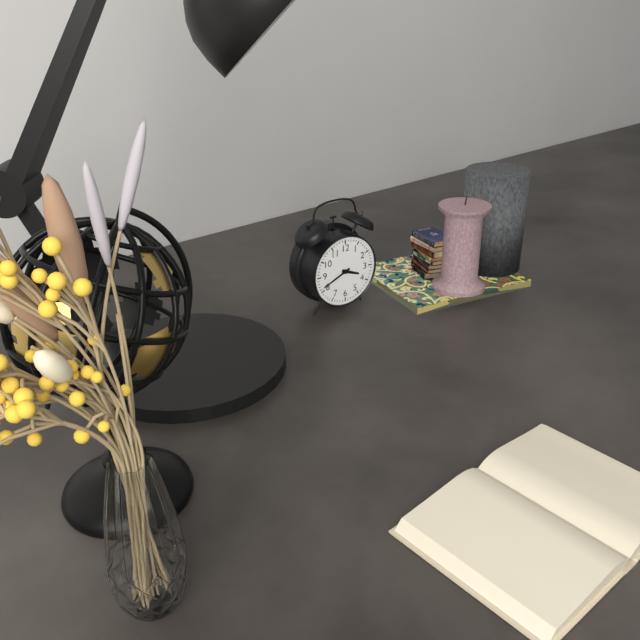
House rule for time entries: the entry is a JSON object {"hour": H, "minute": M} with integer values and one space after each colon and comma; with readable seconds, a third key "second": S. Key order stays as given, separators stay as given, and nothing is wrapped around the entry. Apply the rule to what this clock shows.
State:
{"hour": 3, "minute": 41}
